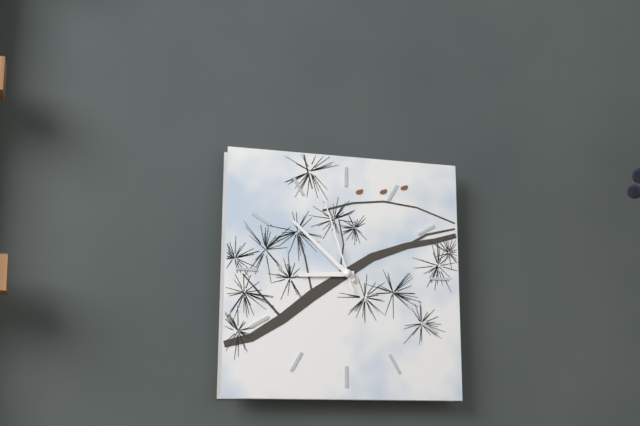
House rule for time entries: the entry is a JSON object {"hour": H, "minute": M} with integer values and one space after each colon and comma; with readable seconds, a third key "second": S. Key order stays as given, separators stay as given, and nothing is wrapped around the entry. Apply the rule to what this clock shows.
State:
{"hour": 8, "minute": 52, "second": 57}
